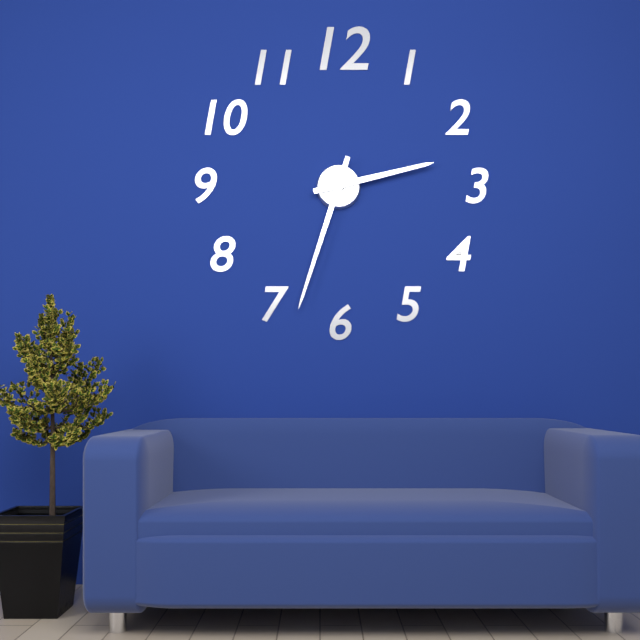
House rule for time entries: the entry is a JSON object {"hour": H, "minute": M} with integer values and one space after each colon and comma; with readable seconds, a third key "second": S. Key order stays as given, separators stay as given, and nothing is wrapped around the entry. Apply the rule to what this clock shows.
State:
{"hour": 2, "minute": 33}
